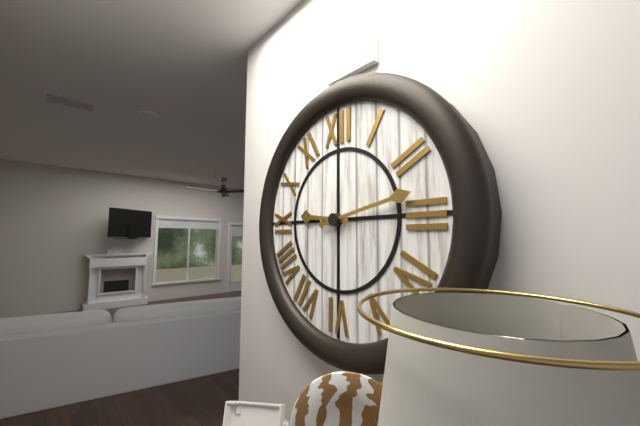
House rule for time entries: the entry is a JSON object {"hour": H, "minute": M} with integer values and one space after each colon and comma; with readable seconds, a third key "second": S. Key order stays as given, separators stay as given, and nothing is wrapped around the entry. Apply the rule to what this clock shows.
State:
{"hour": 9, "minute": 13}
